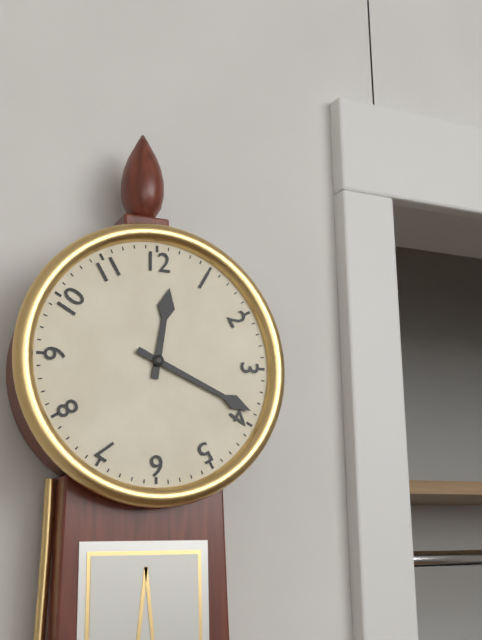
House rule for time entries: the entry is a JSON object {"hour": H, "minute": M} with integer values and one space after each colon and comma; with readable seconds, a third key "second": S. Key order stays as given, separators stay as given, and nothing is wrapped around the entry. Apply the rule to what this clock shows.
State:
{"hour": 12, "minute": 19}
